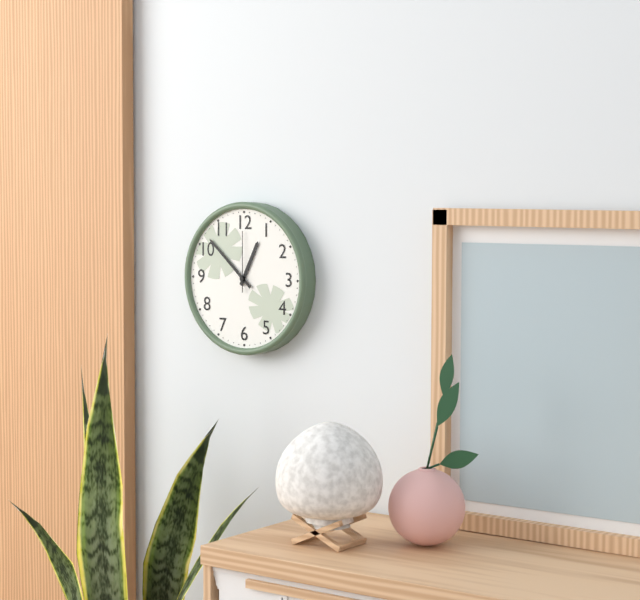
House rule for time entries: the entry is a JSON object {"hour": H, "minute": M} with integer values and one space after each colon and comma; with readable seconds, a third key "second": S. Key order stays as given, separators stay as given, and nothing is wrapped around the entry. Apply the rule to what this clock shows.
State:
{"hour": 12, "minute": 52, "second": 0}
